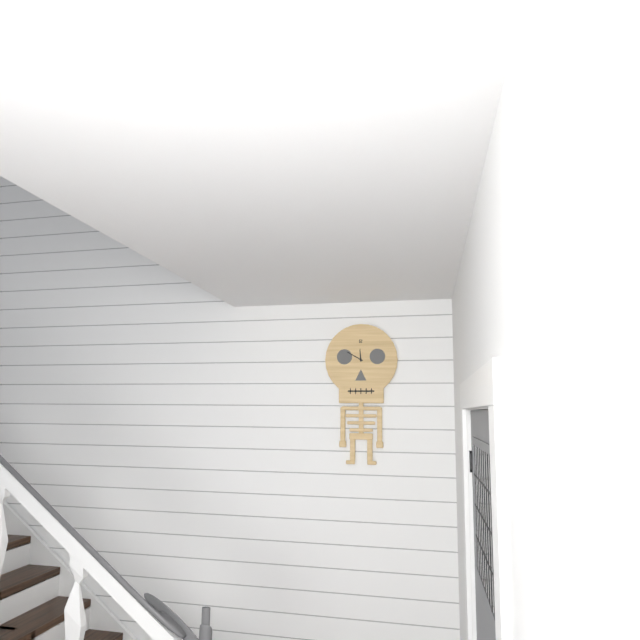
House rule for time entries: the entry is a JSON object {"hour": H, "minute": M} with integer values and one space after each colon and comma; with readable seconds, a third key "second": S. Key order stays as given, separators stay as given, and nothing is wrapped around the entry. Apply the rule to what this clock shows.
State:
{"hour": 11, "minute": 50}
